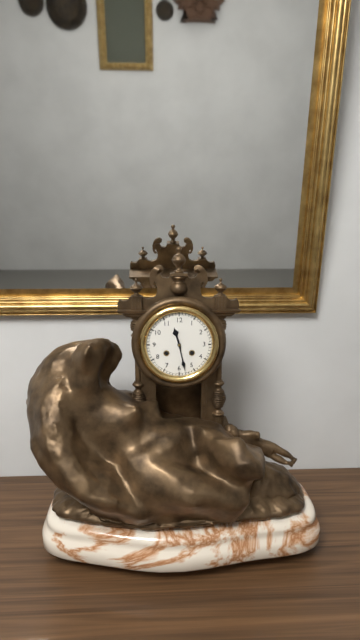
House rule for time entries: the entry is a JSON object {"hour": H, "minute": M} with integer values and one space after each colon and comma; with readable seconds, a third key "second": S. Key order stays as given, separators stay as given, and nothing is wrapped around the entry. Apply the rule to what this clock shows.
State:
{"hour": 11, "minute": 28}
